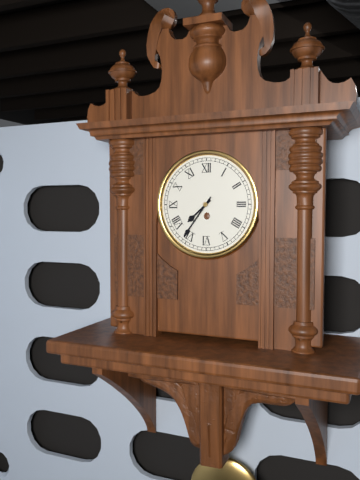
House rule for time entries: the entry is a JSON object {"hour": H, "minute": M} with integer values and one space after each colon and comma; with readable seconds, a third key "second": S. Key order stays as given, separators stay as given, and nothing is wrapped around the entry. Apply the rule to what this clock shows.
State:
{"hour": 7, "minute": 36}
